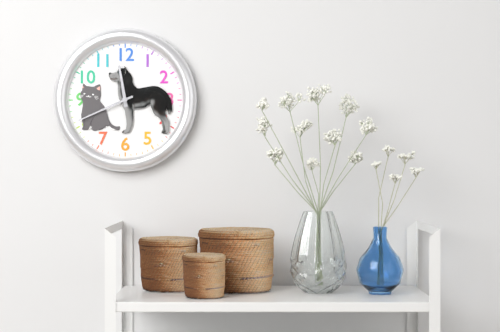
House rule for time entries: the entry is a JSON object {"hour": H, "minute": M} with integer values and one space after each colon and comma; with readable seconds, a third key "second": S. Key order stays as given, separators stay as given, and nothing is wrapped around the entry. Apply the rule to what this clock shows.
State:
{"hour": 11, "minute": 41}
